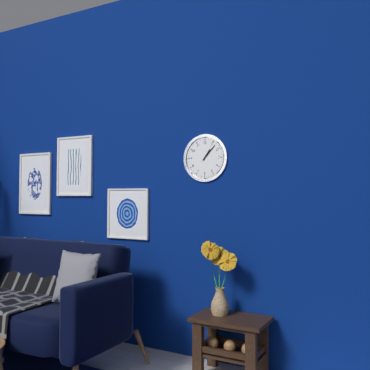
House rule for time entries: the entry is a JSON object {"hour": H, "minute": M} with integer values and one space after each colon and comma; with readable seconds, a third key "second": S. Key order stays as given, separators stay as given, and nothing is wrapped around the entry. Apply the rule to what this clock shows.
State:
{"hour": 1, "minute": 7}
